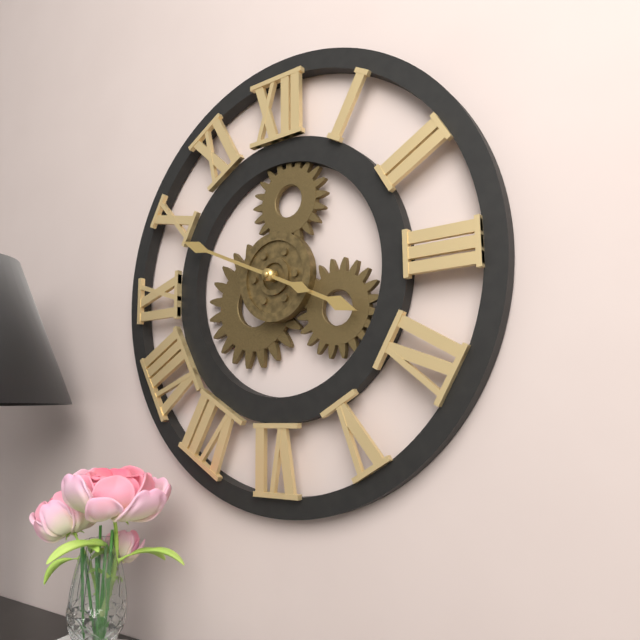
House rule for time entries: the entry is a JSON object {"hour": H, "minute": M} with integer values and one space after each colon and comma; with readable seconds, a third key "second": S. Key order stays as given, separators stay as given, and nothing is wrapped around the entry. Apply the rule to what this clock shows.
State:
{"hour": 3, "minute": 49}
